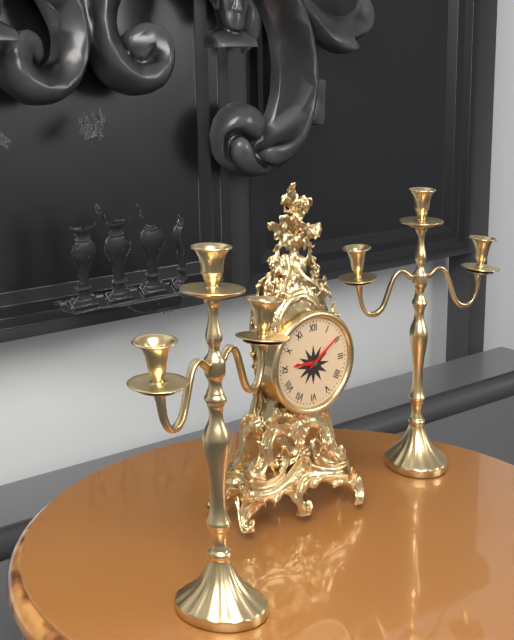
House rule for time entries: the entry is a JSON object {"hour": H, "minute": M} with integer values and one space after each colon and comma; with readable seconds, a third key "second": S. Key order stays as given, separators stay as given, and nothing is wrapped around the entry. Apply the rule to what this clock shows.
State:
{"hour": 9, "minute": 9}
